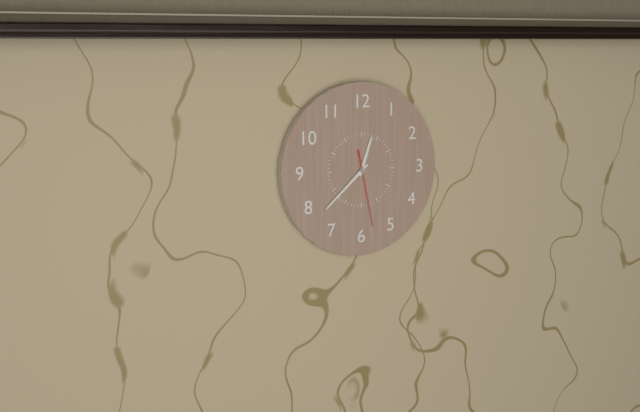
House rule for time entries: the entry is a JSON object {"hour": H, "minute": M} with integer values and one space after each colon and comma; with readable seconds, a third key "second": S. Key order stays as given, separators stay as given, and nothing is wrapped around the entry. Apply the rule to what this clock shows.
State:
{"hour": 12, "minute": 38, "second": 28}
